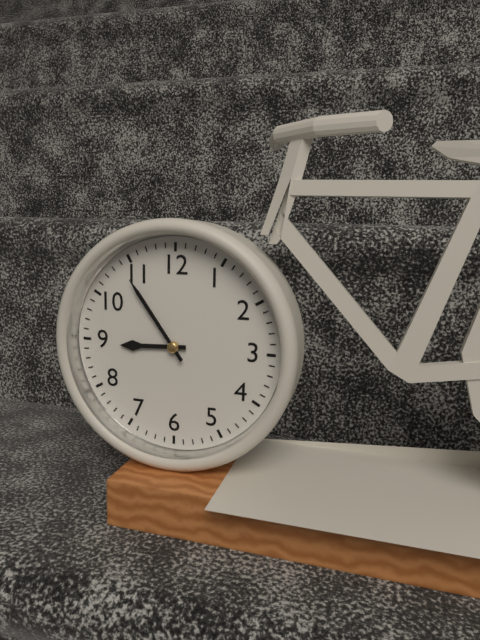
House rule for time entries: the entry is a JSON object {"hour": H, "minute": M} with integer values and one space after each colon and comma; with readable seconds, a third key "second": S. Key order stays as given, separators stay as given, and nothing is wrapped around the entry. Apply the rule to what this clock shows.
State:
{"hour": 8, "minute": 54}
